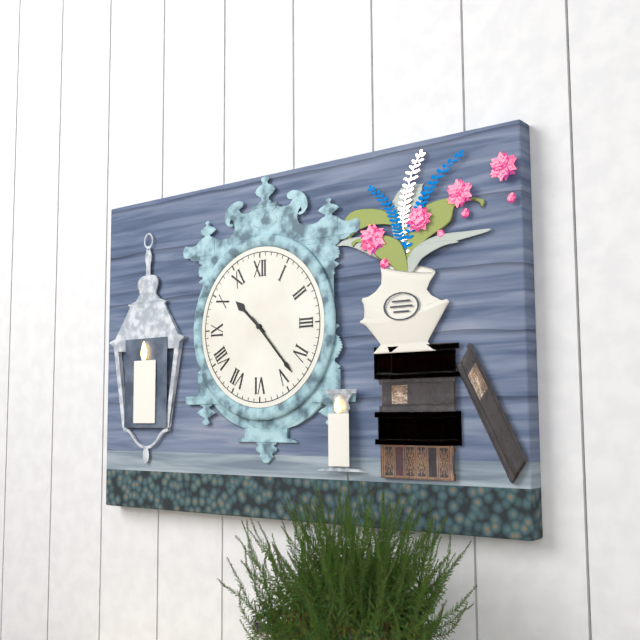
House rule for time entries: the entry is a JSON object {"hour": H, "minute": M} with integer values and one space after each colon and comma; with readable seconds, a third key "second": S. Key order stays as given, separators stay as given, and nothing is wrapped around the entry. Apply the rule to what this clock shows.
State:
{"hour": 10, "minute": 23}
